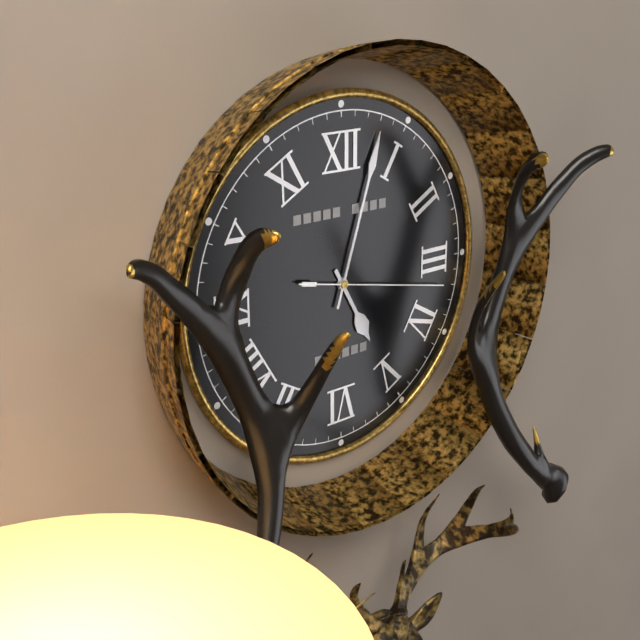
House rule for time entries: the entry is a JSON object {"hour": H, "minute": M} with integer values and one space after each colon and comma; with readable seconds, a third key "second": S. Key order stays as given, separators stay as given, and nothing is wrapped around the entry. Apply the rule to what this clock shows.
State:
{"hour": 5, "minute": 3, "second": 17}
